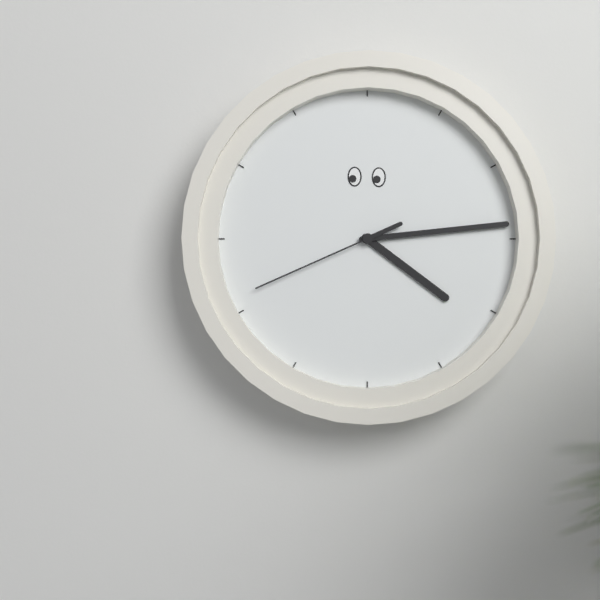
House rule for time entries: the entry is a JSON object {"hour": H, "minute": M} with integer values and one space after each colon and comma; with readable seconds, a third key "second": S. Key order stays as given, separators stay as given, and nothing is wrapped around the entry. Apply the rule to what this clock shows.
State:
{"hour": 4, "minute": 14, "second": 41}
